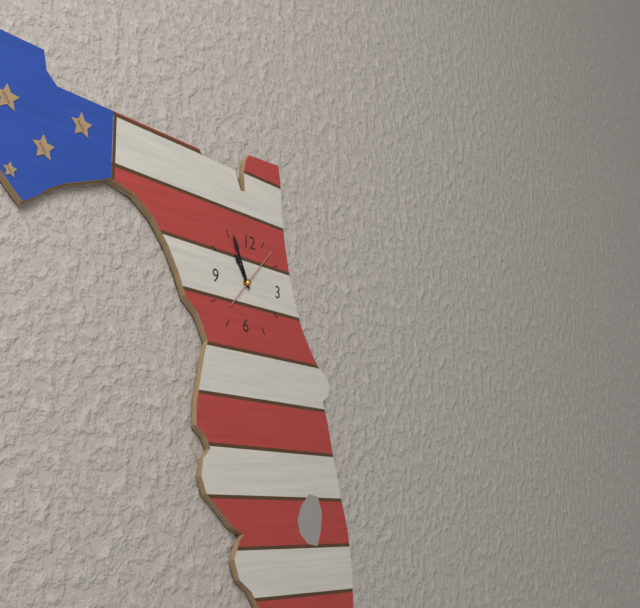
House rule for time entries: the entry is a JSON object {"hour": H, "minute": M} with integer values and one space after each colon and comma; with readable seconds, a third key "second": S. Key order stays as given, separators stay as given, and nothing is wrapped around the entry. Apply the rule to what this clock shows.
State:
{"hour": 10, "minute": 56, "second": 7}
